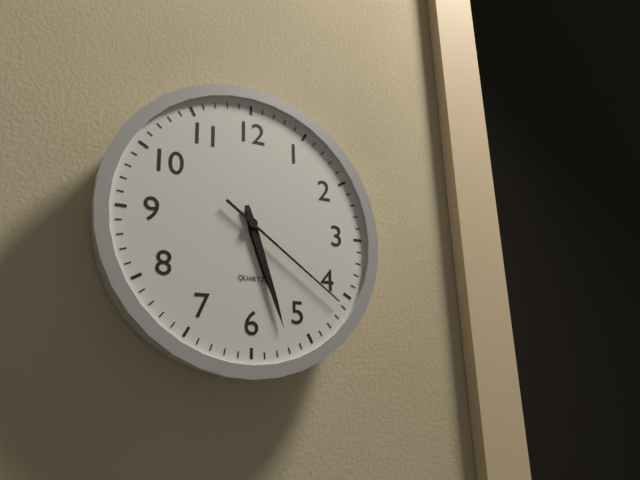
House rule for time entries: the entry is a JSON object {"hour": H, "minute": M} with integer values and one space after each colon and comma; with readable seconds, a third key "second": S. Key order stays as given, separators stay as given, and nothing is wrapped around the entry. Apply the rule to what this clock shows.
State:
{"hour": 5, "minute": 27, "second": 21}
